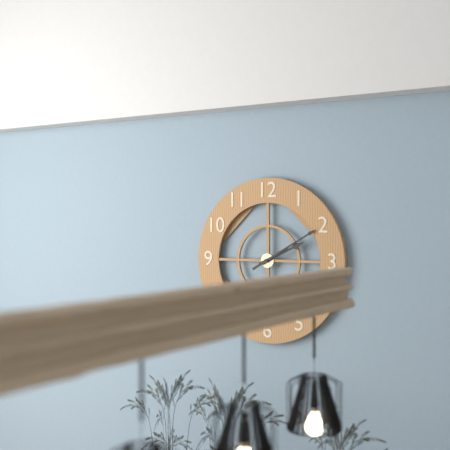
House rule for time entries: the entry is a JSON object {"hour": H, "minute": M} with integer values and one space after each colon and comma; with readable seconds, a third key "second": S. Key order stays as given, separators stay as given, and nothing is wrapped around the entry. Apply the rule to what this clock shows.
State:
{"hour": 2, "minute": 10}
